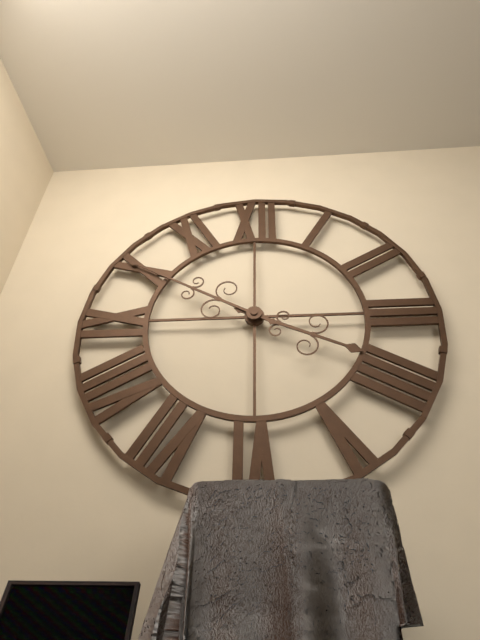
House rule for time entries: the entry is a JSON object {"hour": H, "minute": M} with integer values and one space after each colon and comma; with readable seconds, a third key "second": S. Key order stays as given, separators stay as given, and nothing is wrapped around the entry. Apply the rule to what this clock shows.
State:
{"hour": 3, "minute": 50}
